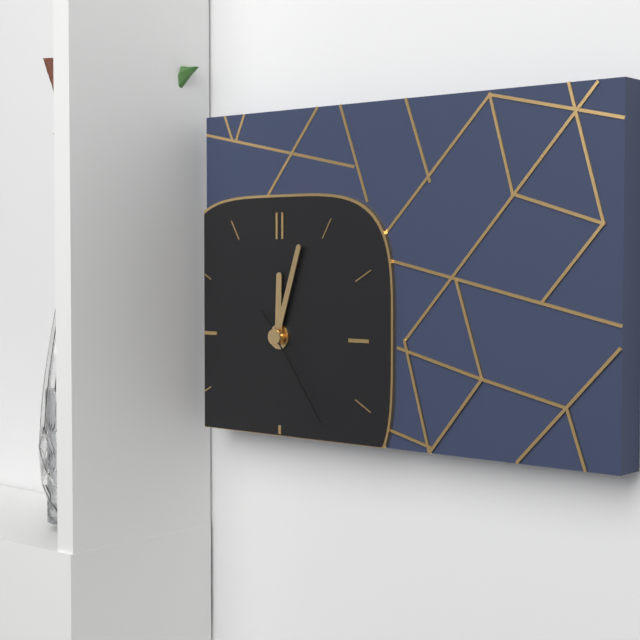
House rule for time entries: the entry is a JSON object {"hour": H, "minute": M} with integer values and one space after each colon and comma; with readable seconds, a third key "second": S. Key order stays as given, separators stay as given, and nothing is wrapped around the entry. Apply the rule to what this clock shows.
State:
{"hour": 12, "minute": 3, "second": 24}
